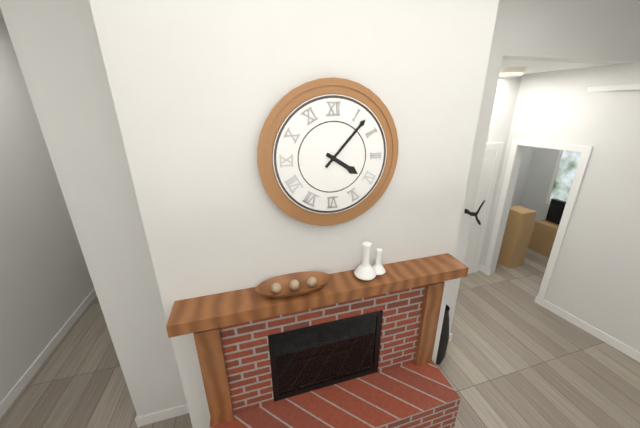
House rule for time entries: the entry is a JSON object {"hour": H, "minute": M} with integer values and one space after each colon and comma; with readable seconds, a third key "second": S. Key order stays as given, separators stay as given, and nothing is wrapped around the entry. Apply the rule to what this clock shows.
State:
{"hour": 4, "minute": 7}
